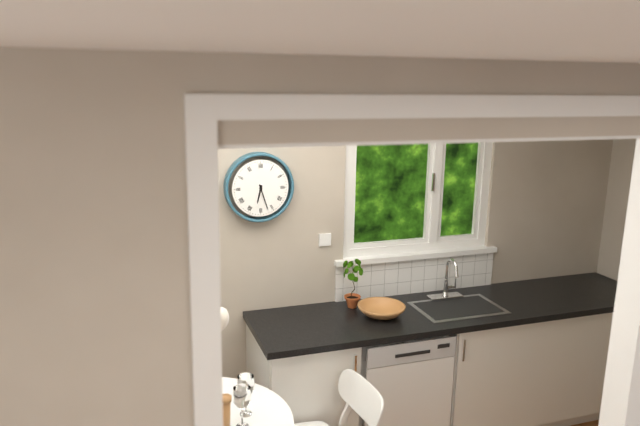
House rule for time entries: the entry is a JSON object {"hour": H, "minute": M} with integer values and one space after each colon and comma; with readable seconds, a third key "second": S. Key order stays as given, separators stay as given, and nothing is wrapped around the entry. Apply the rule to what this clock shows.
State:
{"hour": 6, "minute": 27}
